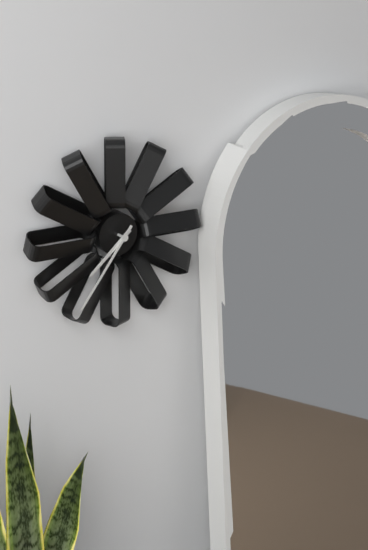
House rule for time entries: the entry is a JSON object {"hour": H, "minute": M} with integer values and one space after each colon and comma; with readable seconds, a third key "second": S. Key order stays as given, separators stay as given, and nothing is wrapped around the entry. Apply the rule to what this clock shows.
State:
{"hour": 7, "minute": 36}
